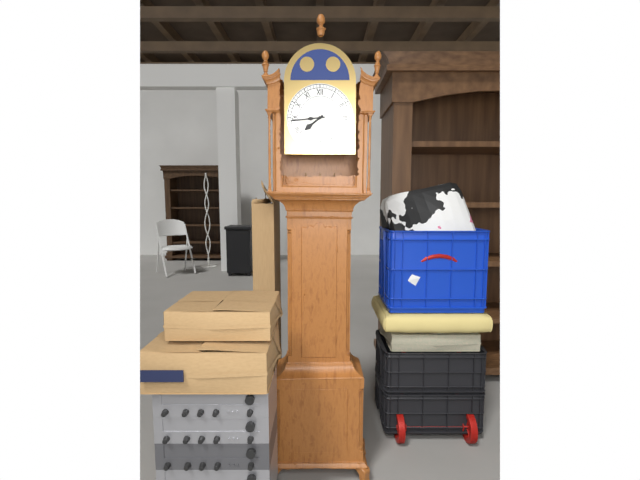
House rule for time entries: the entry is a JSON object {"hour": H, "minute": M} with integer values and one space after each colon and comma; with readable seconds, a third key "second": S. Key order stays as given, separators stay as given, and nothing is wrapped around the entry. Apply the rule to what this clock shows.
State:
{"hour": 7, "minute": 44}
